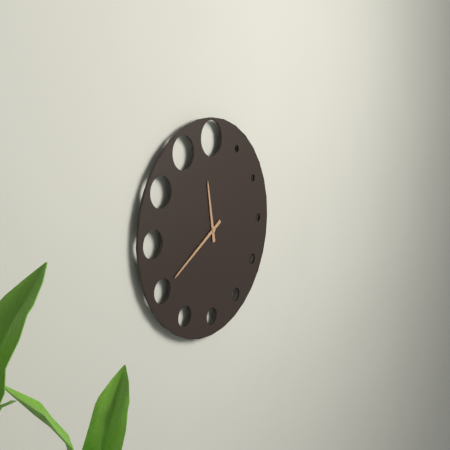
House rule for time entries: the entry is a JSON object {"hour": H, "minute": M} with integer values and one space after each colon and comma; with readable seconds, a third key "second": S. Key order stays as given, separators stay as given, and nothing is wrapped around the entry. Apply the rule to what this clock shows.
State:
{"hour": 11, "minute": 40}
